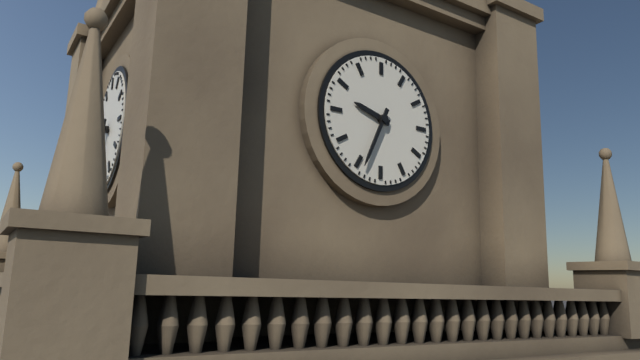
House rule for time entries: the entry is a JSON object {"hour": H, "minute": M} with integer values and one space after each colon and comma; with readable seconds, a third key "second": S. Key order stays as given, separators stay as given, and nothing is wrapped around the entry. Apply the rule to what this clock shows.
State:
{"hour": 9, "minute": 34}
